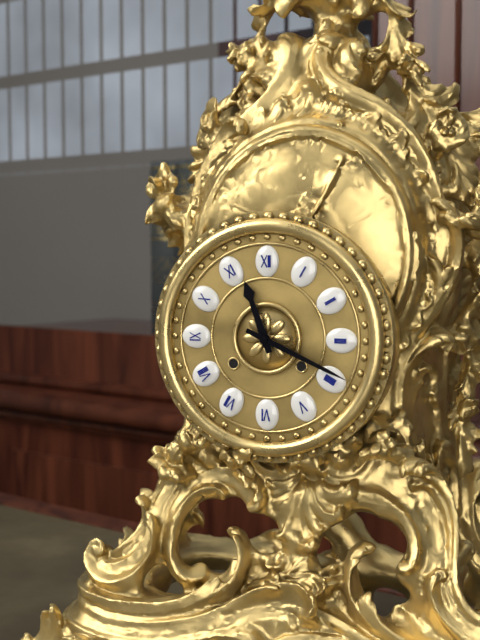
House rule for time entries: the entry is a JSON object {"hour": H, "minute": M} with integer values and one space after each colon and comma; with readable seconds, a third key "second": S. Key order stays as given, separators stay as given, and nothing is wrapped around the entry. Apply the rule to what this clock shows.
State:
{"hour": 11, "minute": 19}
